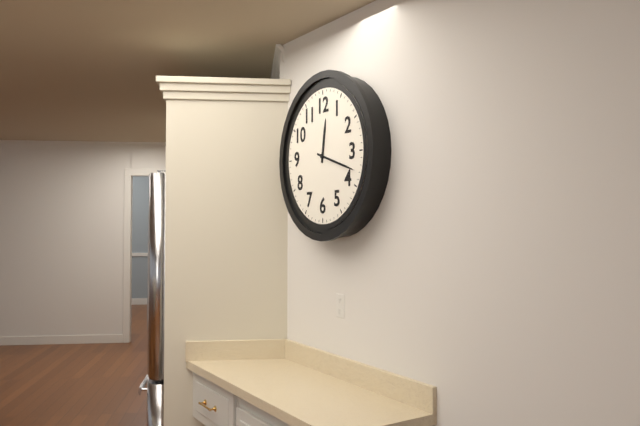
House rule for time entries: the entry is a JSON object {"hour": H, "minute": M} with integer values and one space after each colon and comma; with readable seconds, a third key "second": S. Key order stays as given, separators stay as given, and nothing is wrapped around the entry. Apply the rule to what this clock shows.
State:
{"hour": 12, "minute": 18}
